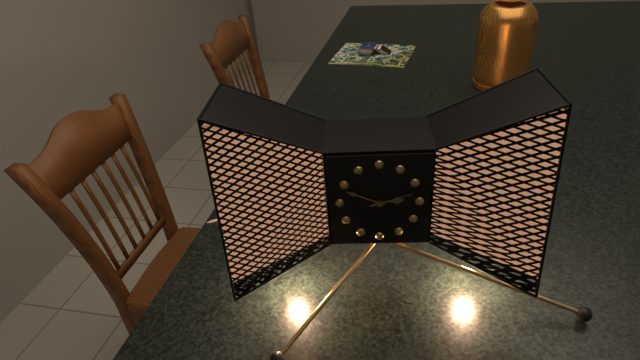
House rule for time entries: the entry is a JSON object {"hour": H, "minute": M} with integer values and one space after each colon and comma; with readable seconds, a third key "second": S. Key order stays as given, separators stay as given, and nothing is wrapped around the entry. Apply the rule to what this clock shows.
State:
{"hour": 2, "minute": 49}
